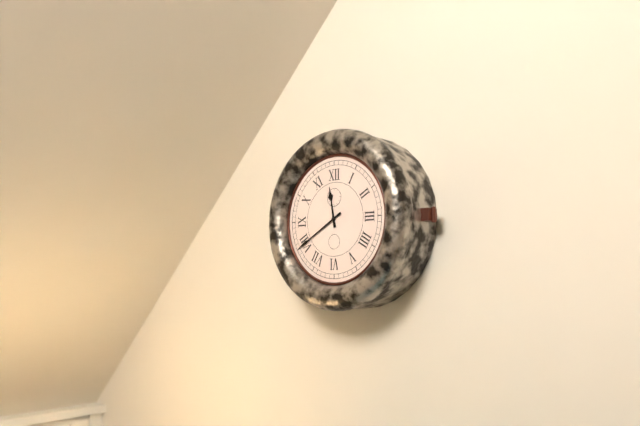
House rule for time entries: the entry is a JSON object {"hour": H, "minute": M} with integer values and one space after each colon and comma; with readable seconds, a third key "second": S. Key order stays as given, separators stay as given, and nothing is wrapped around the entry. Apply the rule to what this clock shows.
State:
{"hour": 11, "minute": 40}
